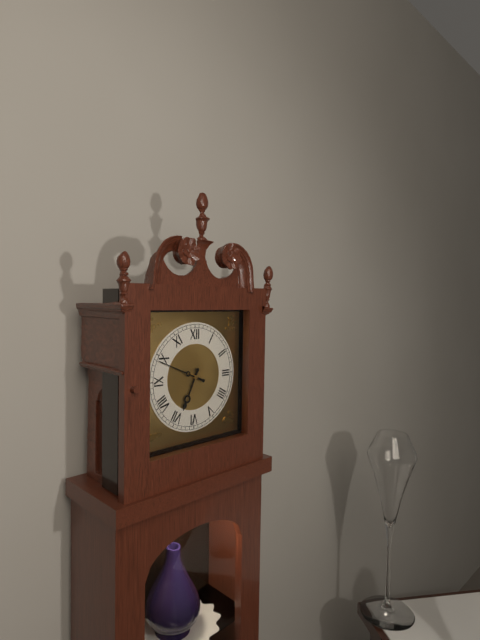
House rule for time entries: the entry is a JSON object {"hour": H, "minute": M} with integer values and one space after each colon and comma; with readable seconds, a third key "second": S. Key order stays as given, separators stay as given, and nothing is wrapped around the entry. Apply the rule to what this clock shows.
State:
{"hour": 6, "minute": 49}
